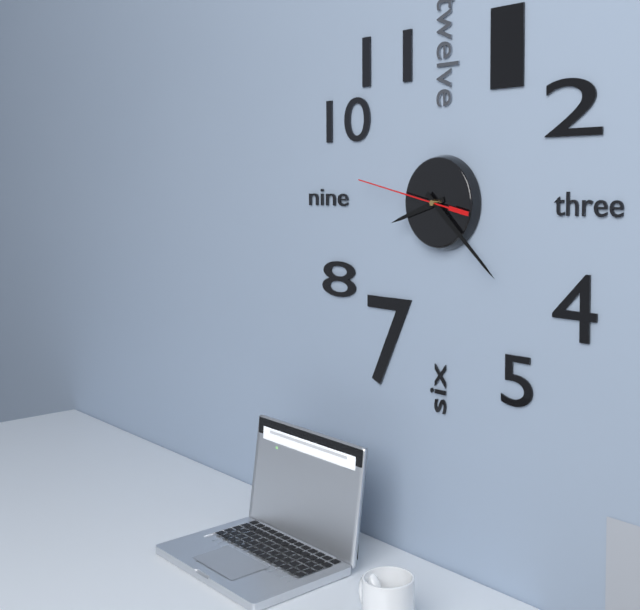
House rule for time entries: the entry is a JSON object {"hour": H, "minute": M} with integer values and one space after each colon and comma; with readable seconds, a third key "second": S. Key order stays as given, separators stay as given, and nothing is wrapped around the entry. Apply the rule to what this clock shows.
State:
{"hour": 8, "minute": 22, "second": 47}
